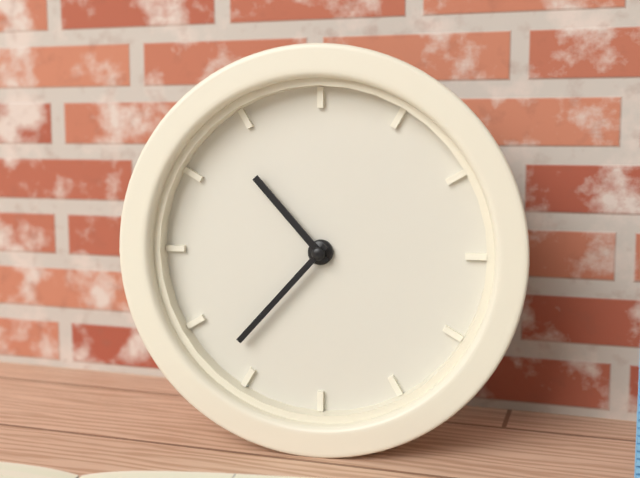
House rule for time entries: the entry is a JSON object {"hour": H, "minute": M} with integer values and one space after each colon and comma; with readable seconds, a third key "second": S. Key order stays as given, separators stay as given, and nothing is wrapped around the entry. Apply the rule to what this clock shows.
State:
{"hour": 10, "minute": 37}
